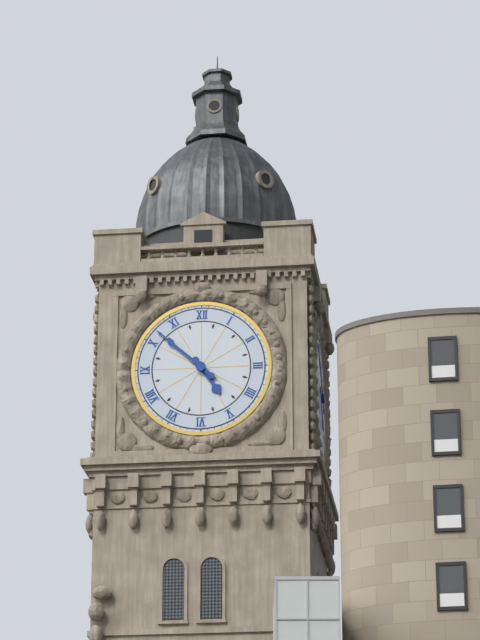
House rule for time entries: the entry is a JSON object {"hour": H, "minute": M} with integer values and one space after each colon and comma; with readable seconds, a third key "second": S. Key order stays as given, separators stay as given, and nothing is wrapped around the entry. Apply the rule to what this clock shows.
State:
{"hour": 4, "minute": 52}
